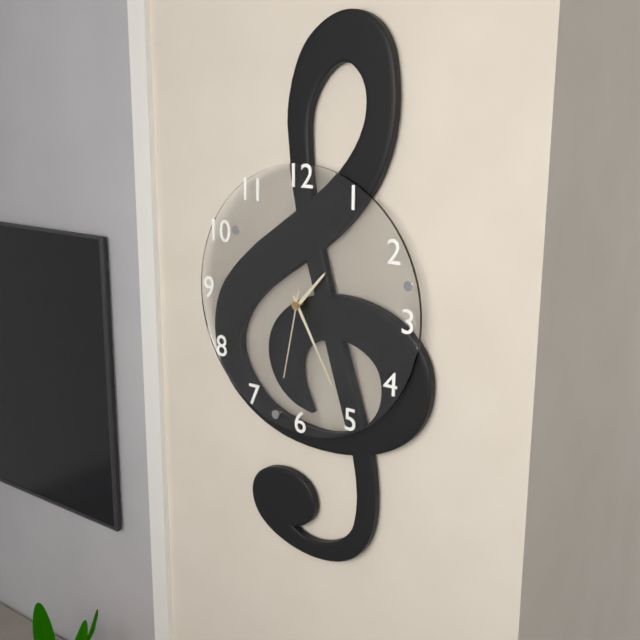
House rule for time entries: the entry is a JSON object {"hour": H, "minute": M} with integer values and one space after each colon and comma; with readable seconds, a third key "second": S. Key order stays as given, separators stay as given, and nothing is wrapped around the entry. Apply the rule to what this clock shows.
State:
{"hour": 1, "minute": 25, "second": 32}
